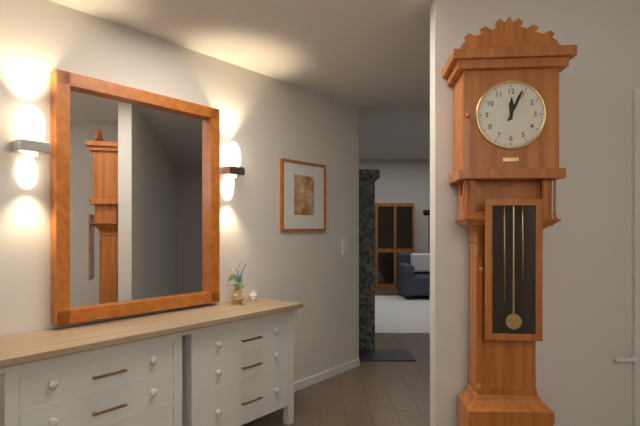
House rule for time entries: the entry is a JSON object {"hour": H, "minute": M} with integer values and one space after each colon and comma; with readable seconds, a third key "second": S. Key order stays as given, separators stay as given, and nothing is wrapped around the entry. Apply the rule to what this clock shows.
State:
{"hour": 12, "minute": 4}
